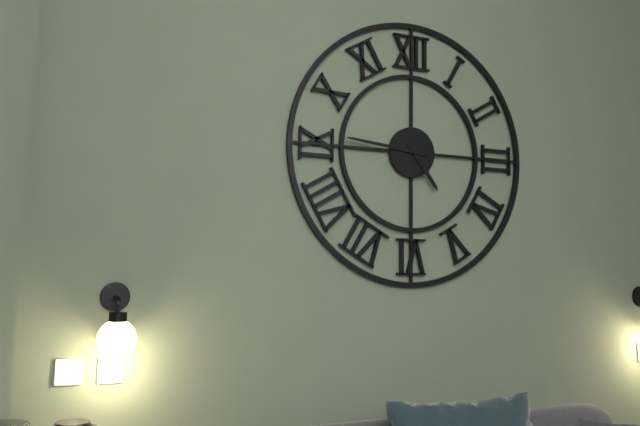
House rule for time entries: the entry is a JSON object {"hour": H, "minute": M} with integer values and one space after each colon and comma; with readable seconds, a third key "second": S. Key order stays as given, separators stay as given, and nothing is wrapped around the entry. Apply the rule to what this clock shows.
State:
{"hour": 4, "minute": 46}
